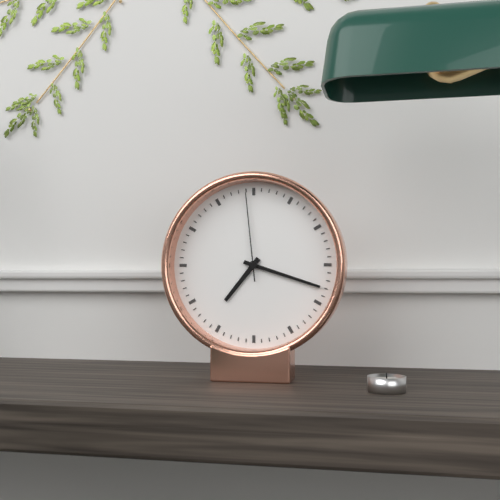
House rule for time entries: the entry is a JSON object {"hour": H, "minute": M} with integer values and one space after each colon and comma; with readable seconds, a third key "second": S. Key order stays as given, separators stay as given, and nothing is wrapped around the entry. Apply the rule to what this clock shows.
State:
{"hour": 7, "minute": 18, "second": 59}
